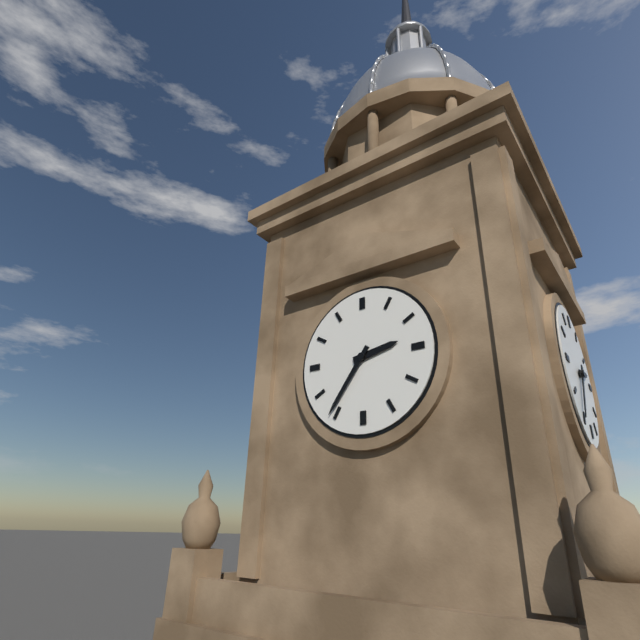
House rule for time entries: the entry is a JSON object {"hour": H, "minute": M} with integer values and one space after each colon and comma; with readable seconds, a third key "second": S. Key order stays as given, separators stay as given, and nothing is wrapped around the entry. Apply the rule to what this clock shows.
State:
{"hour": 2, "minute": 36}
